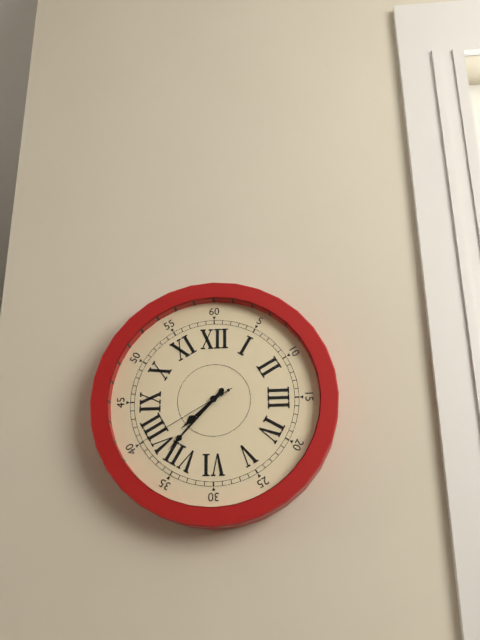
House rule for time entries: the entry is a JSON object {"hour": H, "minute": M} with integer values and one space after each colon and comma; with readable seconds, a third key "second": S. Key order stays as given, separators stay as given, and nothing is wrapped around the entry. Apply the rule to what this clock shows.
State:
{"hour": 7, "minute": 37, "second": 40}
